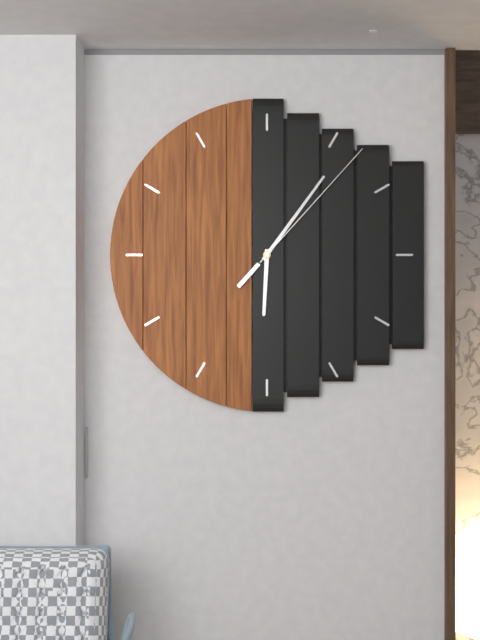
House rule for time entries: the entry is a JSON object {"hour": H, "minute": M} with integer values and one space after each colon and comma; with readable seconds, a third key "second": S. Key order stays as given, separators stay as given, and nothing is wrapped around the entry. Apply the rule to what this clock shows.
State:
{"hour": 6, "minute": 6, "second": 7}
